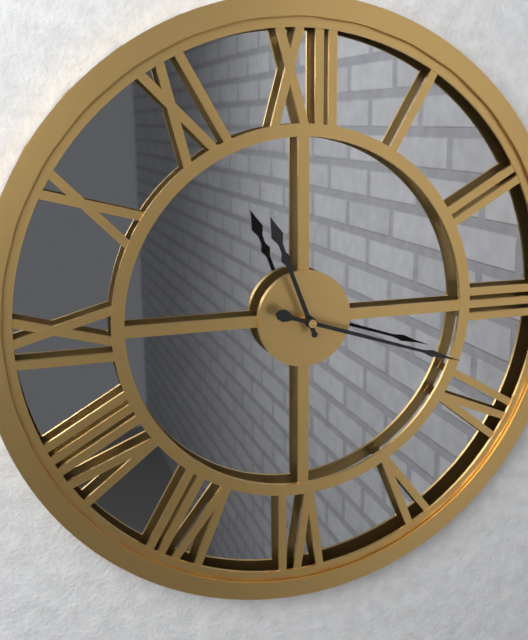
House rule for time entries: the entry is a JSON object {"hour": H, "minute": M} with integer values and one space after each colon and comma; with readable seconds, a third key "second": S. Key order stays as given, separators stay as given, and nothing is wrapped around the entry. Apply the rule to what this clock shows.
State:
{"hour": 11, "minute": 18}
